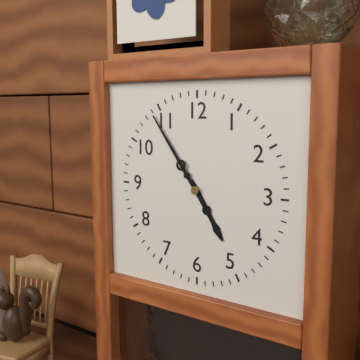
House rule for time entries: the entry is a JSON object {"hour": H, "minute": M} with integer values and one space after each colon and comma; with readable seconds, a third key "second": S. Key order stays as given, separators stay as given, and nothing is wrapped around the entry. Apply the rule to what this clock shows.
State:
{"hour": 4, "minute": 54}
